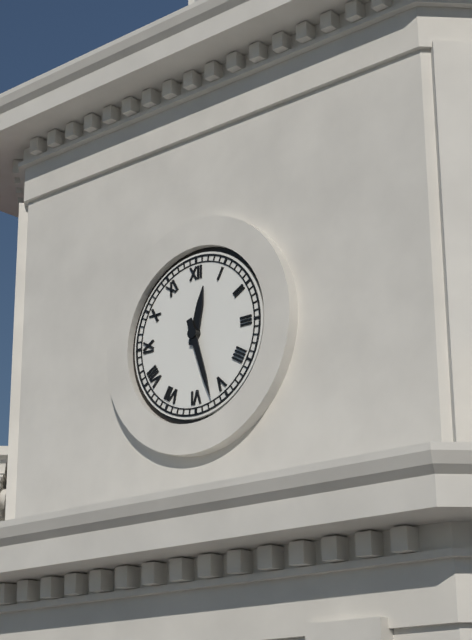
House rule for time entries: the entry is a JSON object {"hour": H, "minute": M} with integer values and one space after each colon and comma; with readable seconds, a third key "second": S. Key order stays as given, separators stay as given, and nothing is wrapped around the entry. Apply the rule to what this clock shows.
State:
{"hour": 12, "minute": 27}
